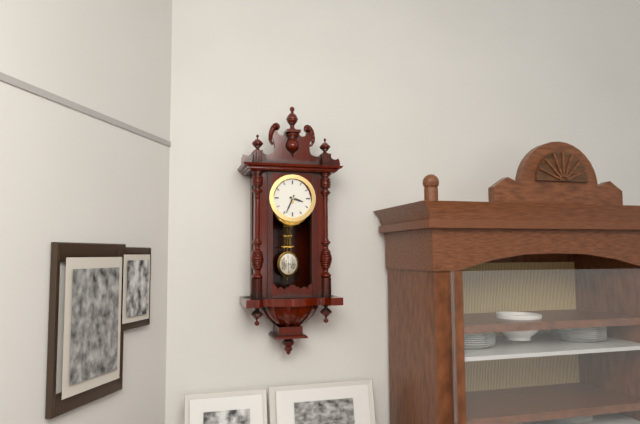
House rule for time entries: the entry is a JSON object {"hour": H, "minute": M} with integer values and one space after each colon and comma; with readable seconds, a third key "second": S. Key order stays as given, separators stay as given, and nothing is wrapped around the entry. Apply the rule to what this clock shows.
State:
{"hour": 3, "minute": 34}
